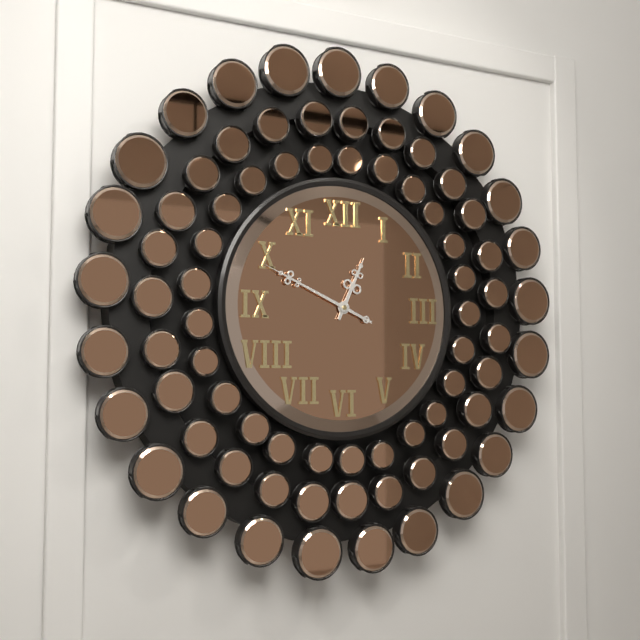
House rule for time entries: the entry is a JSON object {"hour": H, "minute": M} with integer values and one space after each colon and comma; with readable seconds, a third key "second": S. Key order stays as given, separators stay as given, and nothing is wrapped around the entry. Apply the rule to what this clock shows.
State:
{"hour": 12, "minute": 49}
